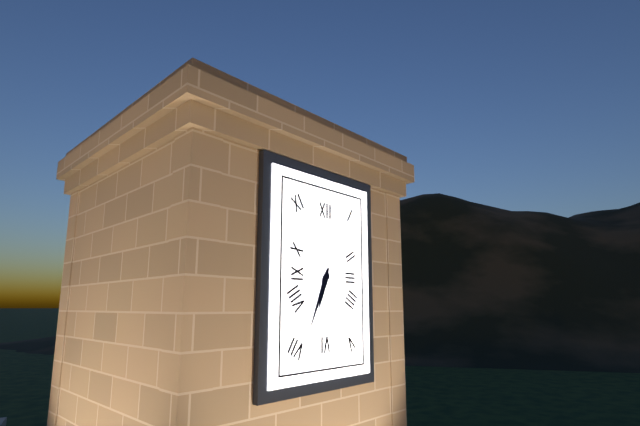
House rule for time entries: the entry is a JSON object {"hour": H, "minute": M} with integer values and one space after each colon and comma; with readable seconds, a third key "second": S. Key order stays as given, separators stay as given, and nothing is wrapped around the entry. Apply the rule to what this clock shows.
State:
{"hour": 6, "minute": 34}
